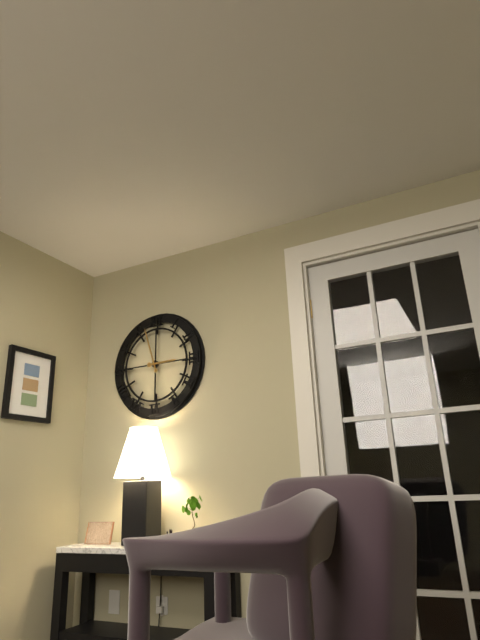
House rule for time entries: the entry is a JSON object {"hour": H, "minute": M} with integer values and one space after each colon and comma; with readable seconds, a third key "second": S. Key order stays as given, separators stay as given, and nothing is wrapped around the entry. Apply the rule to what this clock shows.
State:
{"hour": 2, "minute": 57}
